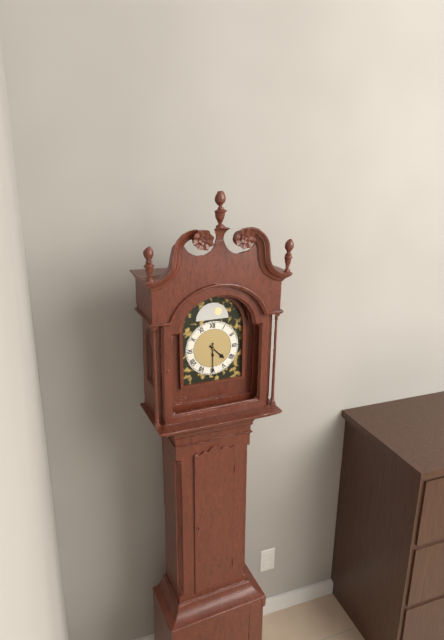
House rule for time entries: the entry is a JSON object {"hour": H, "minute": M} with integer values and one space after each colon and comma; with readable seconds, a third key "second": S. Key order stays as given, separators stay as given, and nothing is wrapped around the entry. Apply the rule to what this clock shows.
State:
{"hour": 4, "minute": 30}
